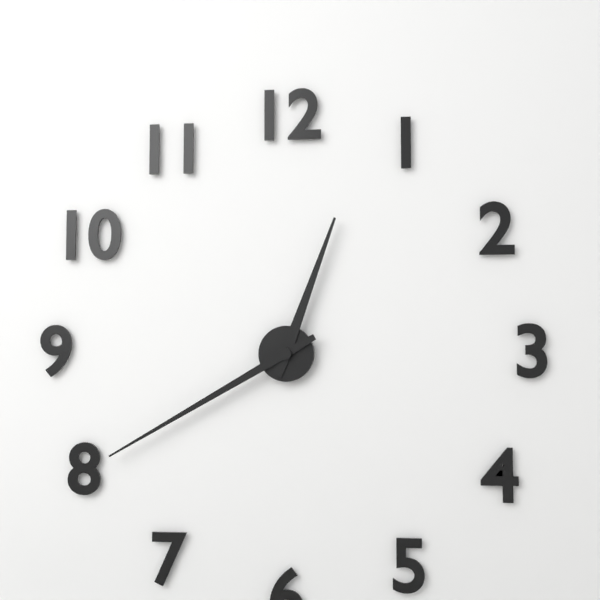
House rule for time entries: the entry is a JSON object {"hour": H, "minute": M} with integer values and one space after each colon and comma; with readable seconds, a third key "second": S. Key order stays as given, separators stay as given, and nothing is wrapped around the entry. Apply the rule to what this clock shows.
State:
{"hour": 12, "minute": 40}
